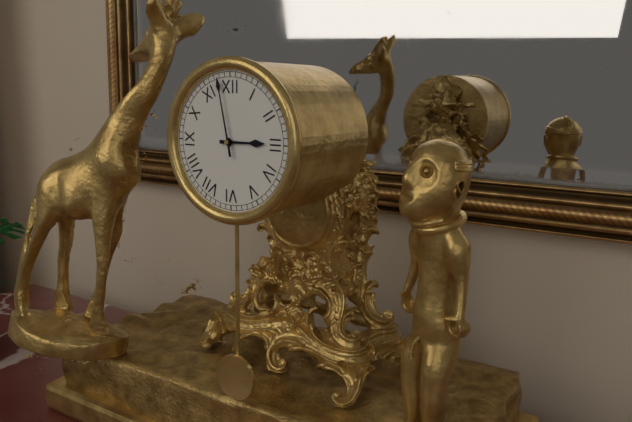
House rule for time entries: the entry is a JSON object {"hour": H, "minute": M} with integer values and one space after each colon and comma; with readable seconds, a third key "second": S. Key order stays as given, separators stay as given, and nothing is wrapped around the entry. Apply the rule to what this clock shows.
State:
{"hour": 2, "minute": 58}
